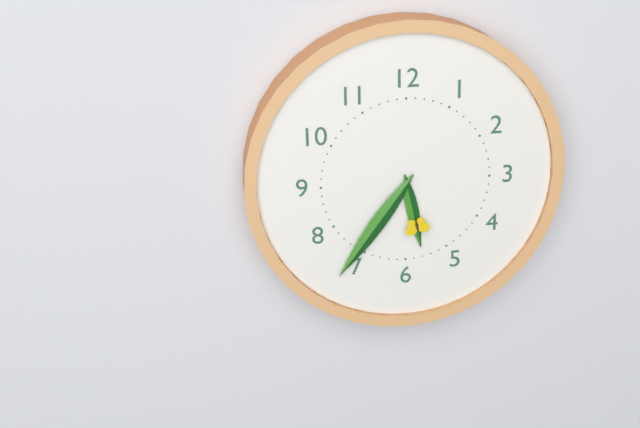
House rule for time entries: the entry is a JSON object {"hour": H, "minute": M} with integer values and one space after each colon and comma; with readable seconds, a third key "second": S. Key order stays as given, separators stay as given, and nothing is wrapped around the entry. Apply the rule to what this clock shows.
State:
{"hour": 5, "minute": 36}
